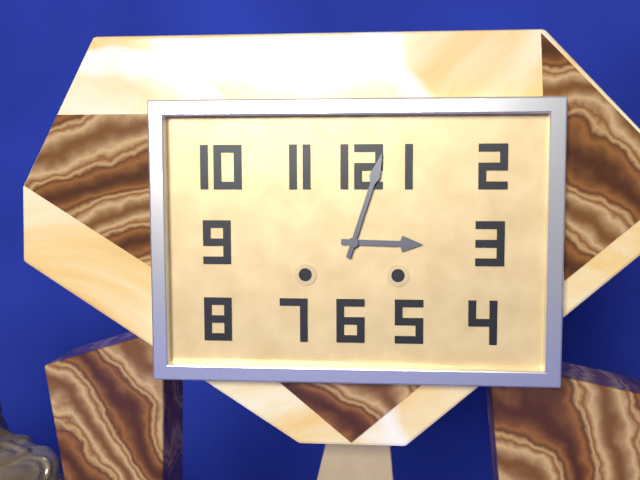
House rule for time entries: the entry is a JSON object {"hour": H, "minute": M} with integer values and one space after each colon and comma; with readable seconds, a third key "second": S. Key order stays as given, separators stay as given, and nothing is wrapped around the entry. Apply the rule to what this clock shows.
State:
{"hour": 3, "minute": 3}
